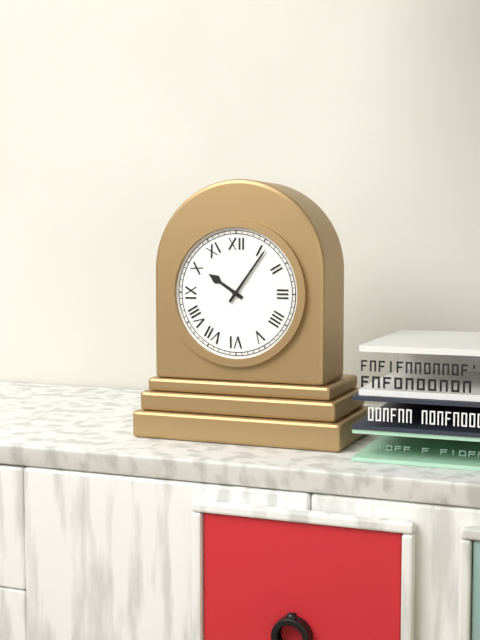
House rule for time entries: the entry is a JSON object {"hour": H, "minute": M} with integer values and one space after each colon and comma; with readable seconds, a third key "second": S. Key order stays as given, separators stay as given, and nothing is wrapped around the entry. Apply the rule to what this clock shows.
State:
{"hour": 10, "minute": 6}
